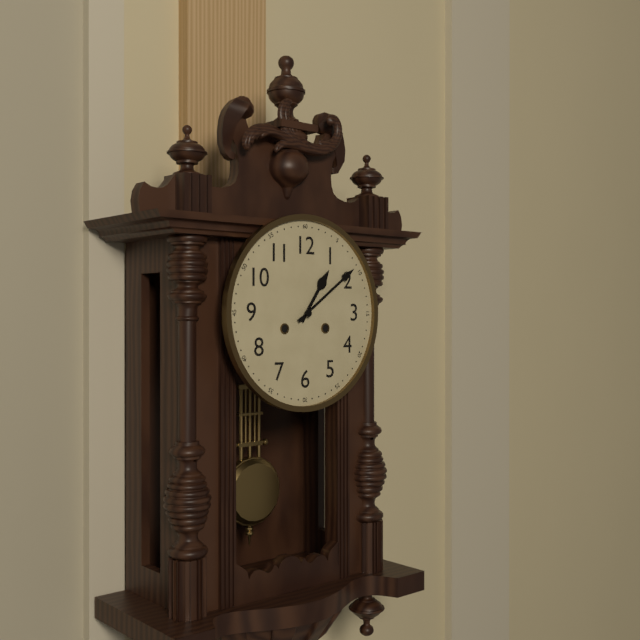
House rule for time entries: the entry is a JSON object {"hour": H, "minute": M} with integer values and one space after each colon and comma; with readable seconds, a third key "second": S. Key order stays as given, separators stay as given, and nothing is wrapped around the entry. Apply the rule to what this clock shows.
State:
{"hour": 1, "minute": 9}
